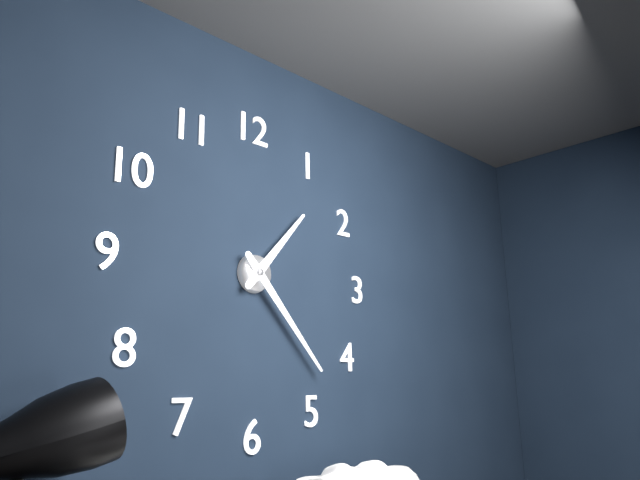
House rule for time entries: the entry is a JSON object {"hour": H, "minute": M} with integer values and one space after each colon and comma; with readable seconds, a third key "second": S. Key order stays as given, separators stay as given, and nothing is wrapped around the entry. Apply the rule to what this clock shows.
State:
{"hour": 1, "minute": 23}
